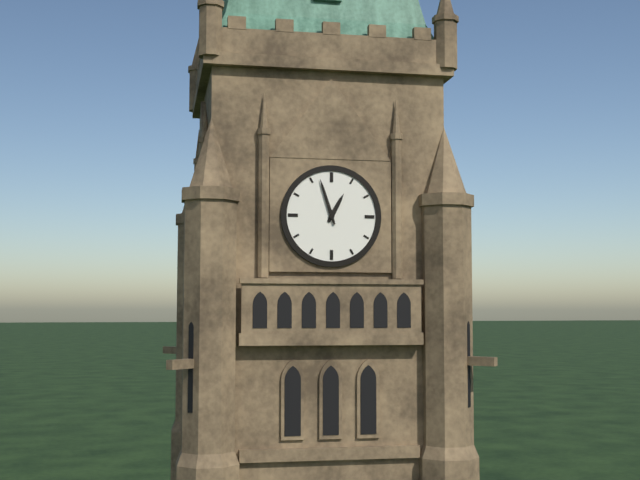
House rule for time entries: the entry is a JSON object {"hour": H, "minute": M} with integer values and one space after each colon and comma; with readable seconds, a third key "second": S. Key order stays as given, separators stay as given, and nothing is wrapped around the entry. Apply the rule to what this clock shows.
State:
{"hour": 12, "minute": 57}
